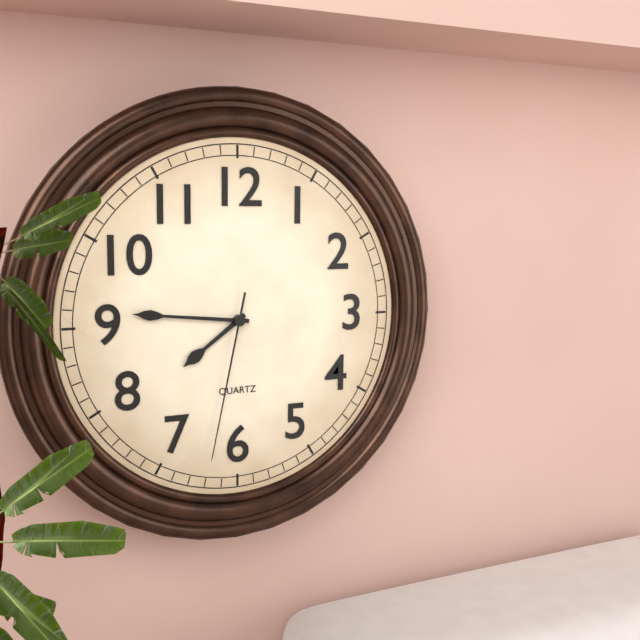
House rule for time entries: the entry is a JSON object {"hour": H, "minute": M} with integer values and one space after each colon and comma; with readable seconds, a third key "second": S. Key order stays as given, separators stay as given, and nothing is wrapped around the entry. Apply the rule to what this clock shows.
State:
{"hour": 7, "minute": 46, "second": 32}
